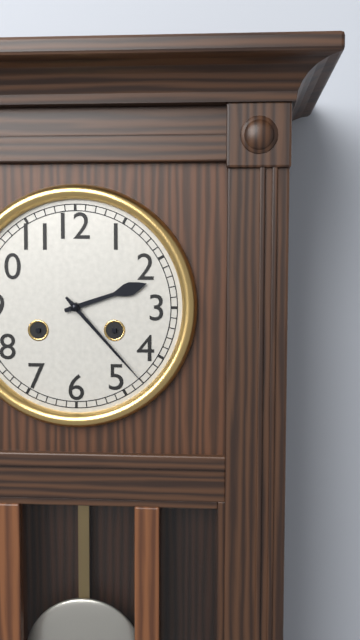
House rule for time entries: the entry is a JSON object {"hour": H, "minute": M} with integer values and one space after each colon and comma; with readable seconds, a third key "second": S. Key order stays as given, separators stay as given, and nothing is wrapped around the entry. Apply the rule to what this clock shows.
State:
{"hour": 2, "minute": 23}
